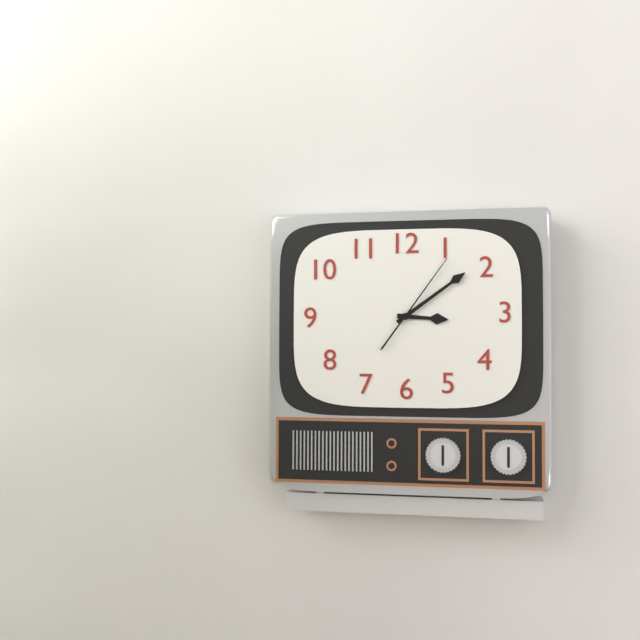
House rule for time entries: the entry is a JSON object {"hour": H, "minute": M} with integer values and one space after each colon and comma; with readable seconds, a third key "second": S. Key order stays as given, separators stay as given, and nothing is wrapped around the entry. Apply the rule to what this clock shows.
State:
{"hour": 3, "minute": 9, "second": 6}
